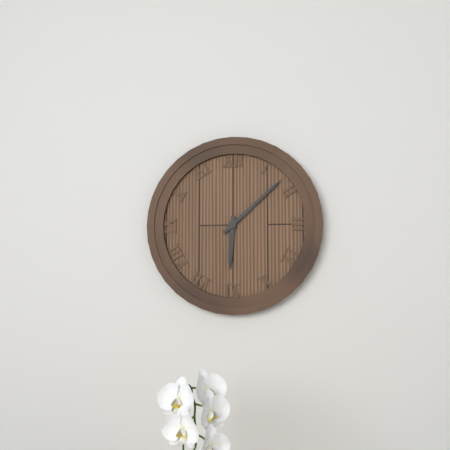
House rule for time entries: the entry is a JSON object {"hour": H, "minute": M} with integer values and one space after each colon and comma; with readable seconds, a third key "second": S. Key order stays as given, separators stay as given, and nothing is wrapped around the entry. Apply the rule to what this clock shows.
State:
{"hour": 6, "minute": 8}
